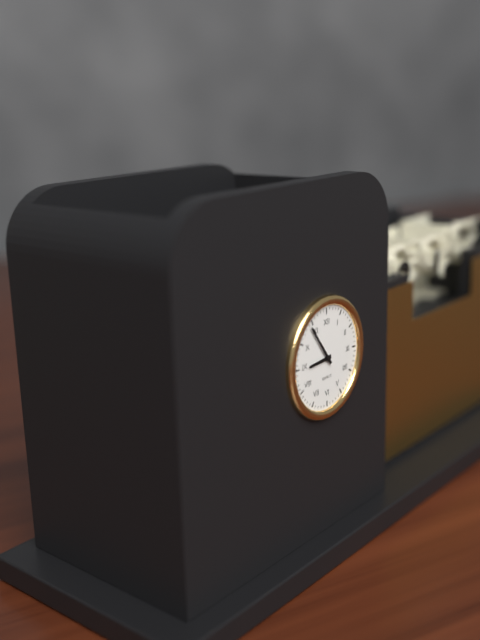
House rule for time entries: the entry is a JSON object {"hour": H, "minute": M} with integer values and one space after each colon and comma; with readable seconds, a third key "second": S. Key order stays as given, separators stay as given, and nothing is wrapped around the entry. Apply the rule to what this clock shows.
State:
{"hour": 8, "minute": 54}
